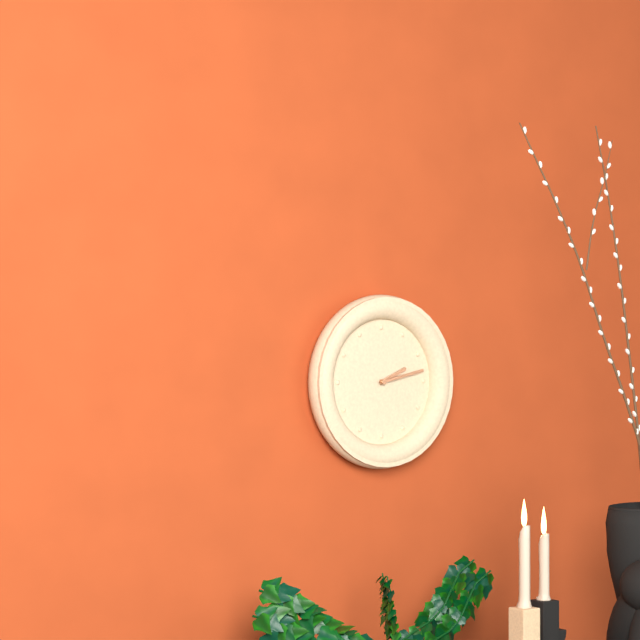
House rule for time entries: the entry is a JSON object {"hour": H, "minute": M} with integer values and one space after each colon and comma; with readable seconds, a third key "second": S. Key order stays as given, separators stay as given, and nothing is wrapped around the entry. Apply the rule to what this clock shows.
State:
{"hour": 2, "minute": 13}
